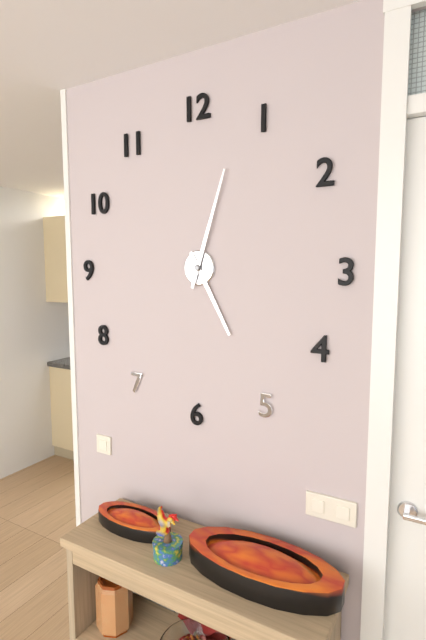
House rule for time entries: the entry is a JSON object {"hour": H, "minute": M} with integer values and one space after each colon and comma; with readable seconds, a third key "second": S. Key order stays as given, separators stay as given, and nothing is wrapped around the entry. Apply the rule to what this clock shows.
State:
{"hour": 5, "minute": 3}
